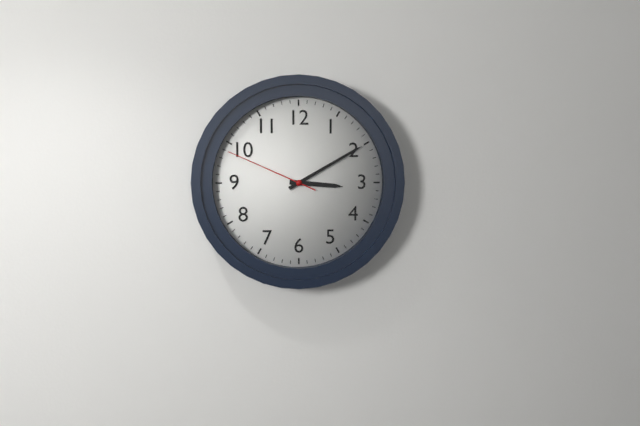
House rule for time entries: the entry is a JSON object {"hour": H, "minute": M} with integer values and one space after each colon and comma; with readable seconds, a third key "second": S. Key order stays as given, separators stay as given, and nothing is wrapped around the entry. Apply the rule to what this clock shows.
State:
{"hour": 3, "minute": 10, "second": 49}
